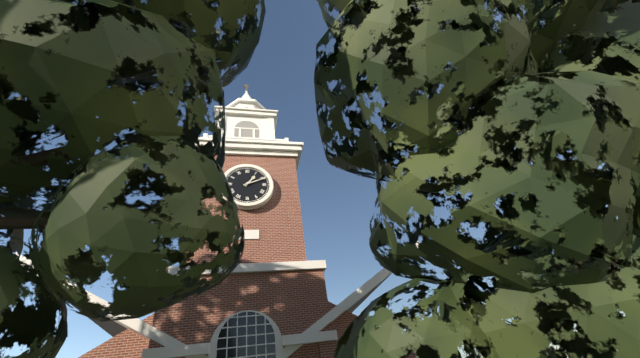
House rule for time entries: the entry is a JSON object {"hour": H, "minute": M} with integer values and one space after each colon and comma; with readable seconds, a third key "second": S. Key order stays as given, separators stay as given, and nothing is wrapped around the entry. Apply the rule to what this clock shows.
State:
{"hour": 1, "minute": 11}
